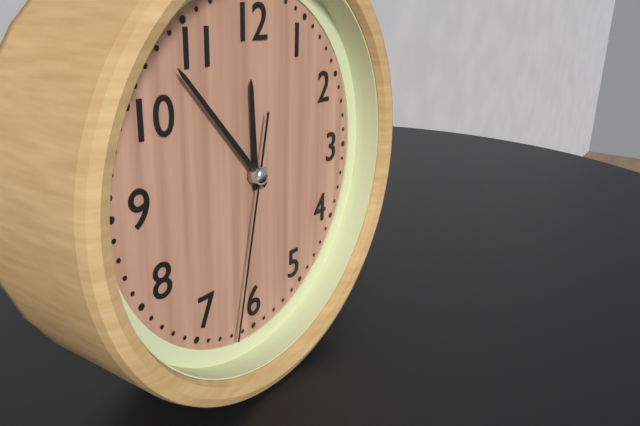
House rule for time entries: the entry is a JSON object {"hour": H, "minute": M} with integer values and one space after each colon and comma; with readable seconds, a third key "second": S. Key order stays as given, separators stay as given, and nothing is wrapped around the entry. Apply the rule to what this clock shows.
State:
{"hour": 11, "minute": 53, "second": 32}
